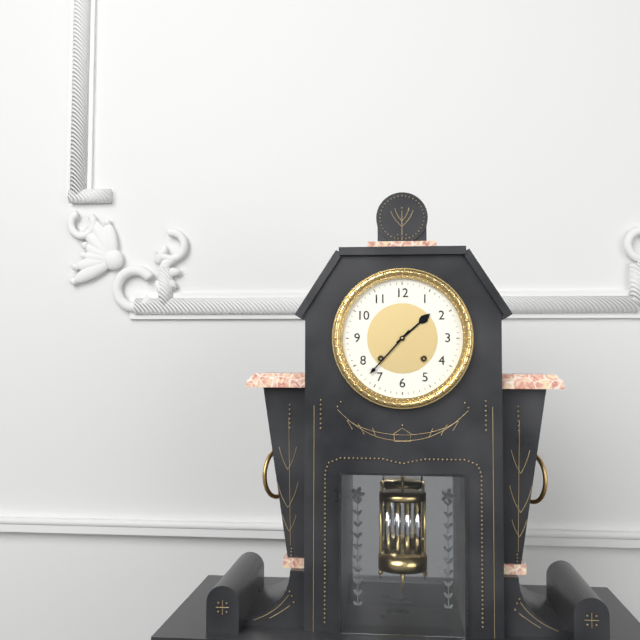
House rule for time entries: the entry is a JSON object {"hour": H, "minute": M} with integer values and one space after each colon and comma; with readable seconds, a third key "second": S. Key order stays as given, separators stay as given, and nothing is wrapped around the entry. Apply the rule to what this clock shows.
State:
{"hour": 1, "minute": 37}
